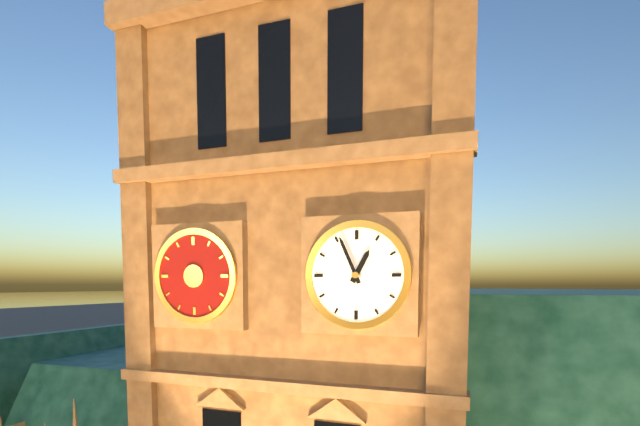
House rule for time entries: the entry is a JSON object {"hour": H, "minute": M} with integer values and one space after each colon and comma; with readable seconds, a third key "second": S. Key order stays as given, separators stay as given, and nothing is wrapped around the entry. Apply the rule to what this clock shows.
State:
{"hour": 12, "minute": 56}
